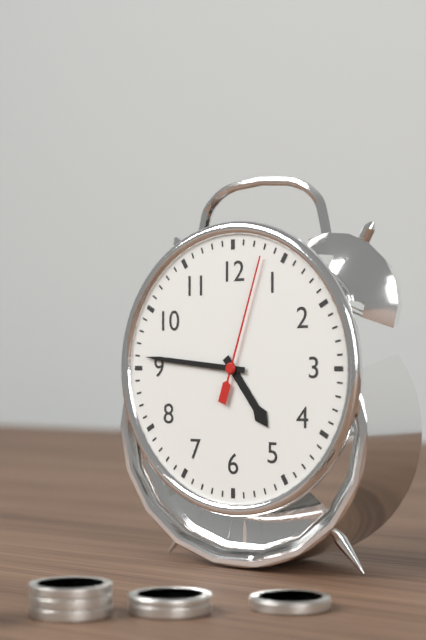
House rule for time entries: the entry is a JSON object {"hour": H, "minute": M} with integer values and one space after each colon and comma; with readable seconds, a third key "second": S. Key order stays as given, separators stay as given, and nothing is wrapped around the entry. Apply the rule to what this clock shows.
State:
{"hour": 4, "minute": 46, "second": 3}
